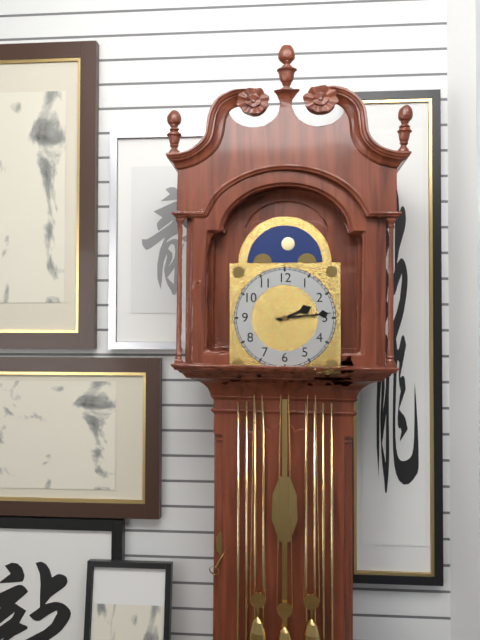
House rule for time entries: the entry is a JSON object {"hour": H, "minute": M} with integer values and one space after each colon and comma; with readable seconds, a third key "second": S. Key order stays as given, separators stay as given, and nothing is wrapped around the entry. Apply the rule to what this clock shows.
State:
{"hour": 2, "minute": 14}
